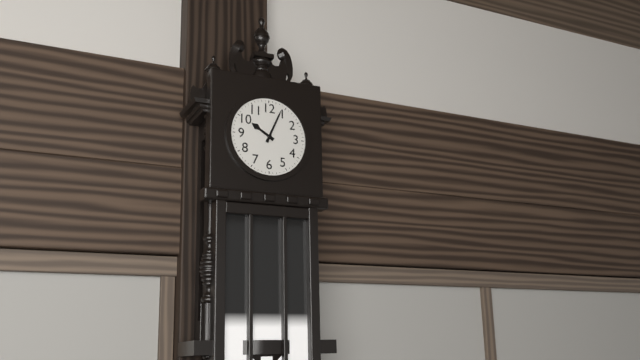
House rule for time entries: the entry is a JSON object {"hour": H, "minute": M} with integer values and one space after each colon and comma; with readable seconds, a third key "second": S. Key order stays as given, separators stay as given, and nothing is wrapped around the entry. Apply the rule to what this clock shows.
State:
{"hour": 10, "minute": 4}
